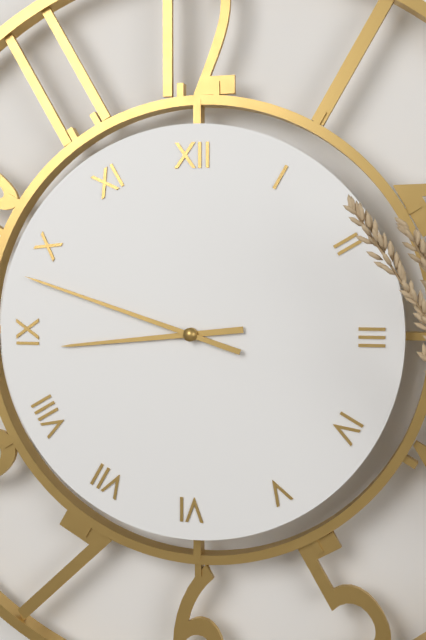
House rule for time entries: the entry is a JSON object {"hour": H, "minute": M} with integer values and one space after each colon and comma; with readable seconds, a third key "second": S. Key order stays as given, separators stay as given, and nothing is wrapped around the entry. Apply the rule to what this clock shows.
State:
{"hour": 8, "minute": 48}
